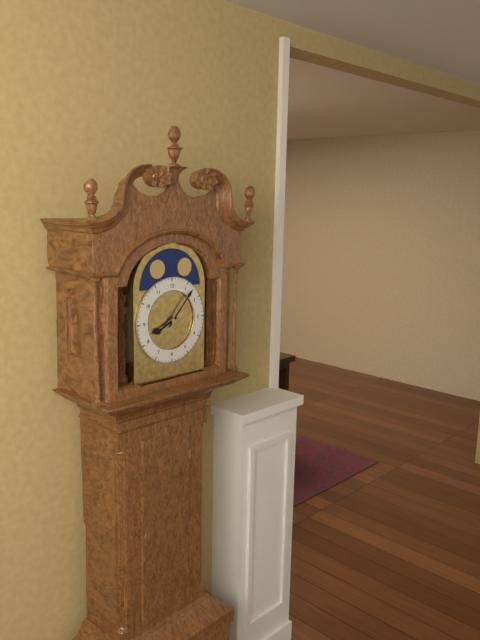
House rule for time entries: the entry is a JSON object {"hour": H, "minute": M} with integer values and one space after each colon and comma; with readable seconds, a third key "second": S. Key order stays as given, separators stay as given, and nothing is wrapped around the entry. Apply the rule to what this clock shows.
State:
{"hour": 8, "minute": 7}
